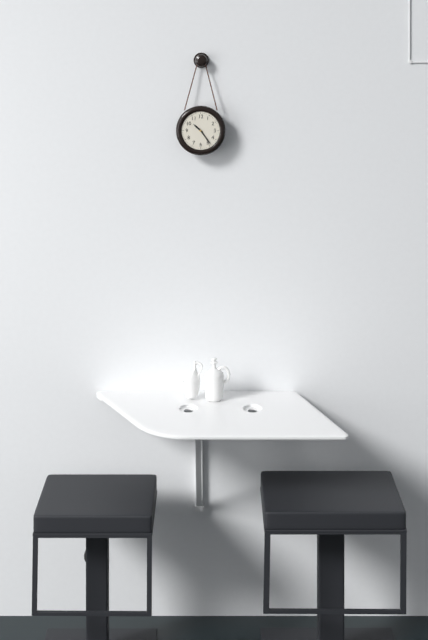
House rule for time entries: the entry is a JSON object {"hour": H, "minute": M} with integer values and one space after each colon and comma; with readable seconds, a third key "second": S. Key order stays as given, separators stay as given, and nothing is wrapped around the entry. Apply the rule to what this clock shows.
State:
{"hour": 10, "minute": 24}
